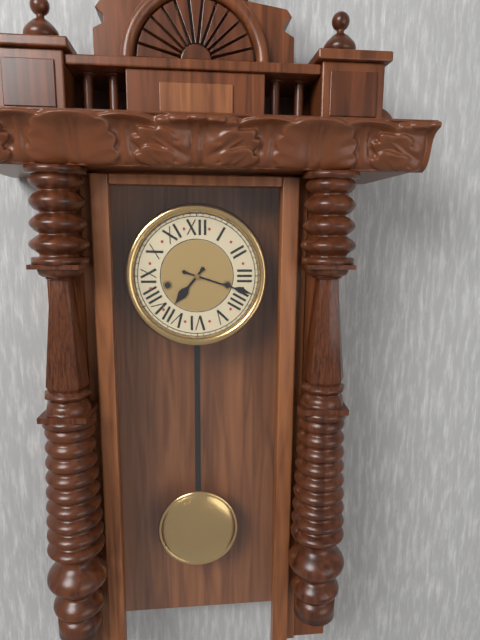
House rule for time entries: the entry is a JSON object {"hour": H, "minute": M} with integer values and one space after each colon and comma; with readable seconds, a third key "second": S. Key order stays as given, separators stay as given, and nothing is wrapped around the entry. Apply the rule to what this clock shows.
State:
{"hour": 7, "minute": 18}
